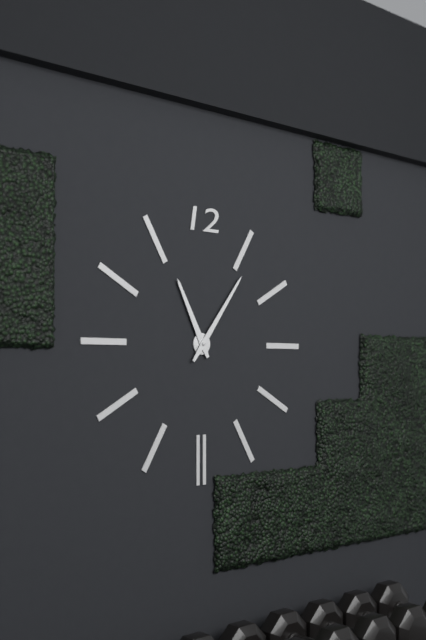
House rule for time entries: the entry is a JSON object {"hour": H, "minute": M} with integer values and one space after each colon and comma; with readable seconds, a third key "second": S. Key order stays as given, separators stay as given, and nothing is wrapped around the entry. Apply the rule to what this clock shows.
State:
{"hour": 11, "minute": 6}
